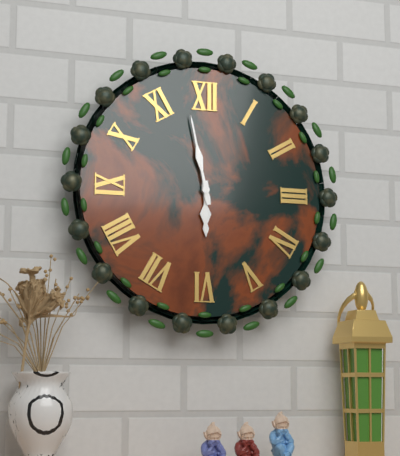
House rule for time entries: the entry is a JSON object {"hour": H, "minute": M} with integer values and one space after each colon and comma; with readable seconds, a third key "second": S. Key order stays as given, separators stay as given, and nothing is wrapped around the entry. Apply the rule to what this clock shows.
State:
{"hour": 5, "minute": 58}
